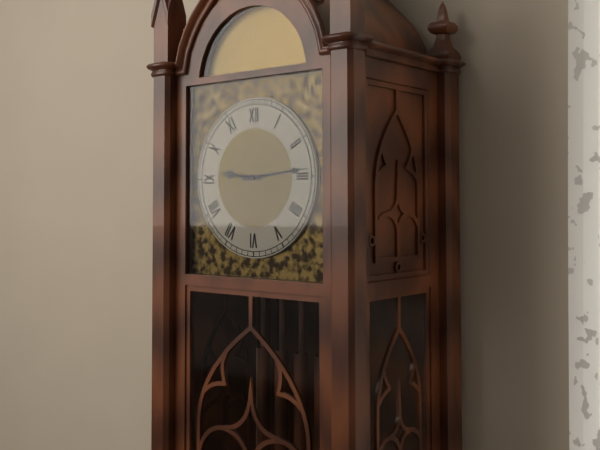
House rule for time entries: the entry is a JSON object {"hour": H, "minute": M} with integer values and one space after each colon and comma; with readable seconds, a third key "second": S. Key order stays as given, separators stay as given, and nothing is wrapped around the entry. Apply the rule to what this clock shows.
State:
{"hour": 9, "minute": 14}
